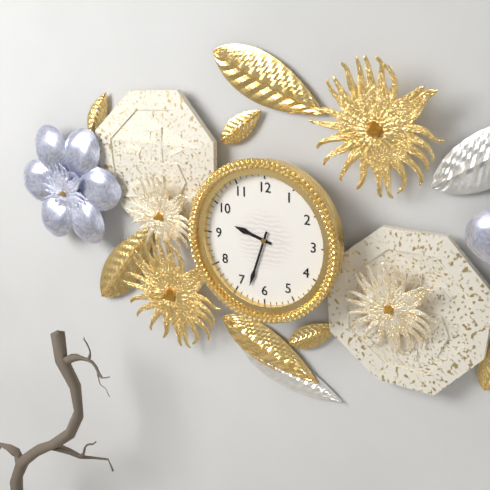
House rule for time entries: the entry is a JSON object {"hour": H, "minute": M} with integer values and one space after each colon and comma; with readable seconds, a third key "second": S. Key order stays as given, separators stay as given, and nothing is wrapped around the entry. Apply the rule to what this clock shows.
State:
{"hour": 9, "minute": 33}
